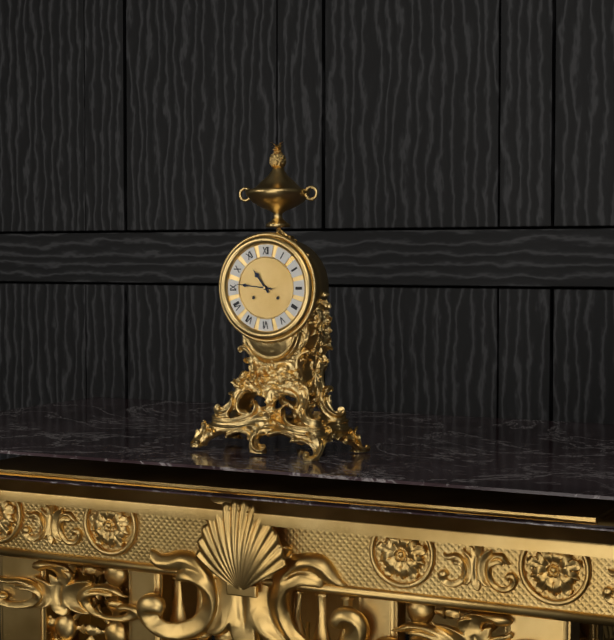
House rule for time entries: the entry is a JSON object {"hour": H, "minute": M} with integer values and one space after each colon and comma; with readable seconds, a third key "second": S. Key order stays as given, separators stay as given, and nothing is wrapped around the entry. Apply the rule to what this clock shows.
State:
{"hour": 10, "minute": 46}
